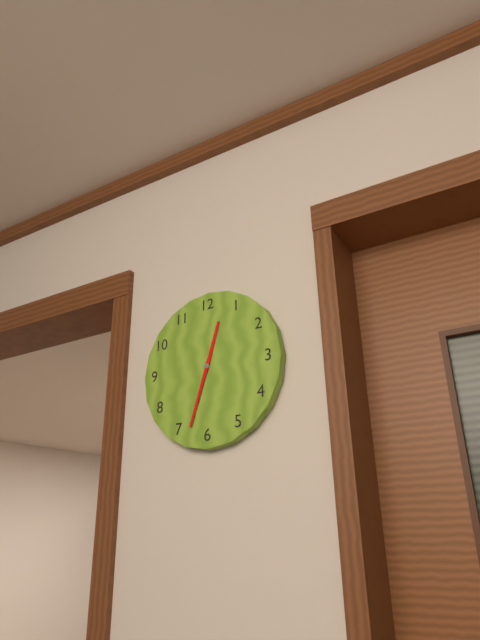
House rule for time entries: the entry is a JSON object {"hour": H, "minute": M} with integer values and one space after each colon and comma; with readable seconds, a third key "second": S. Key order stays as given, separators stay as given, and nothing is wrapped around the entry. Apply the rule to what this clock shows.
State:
{"hour": 12, "minute": 33}
